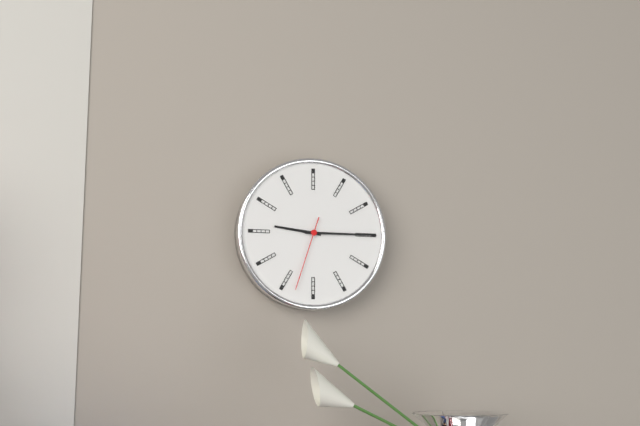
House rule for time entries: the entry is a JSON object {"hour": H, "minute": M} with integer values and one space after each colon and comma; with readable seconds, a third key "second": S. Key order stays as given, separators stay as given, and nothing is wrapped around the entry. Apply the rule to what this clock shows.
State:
{"hour": 9, "minute": 15, "second": 33}
